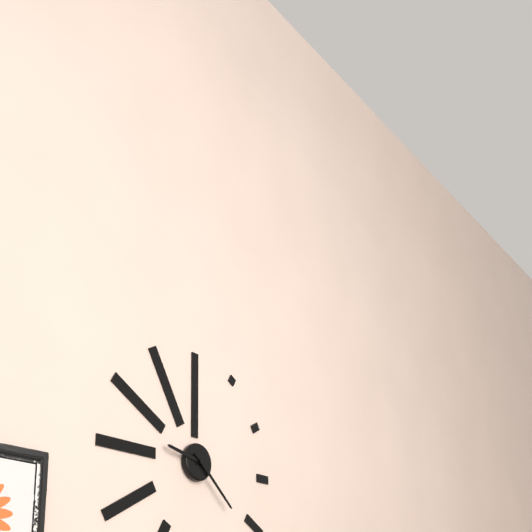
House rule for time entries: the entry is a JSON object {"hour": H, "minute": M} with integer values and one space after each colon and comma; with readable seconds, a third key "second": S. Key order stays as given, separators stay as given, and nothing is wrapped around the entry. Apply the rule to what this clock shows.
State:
{"hour": 9, "minute": 22}
